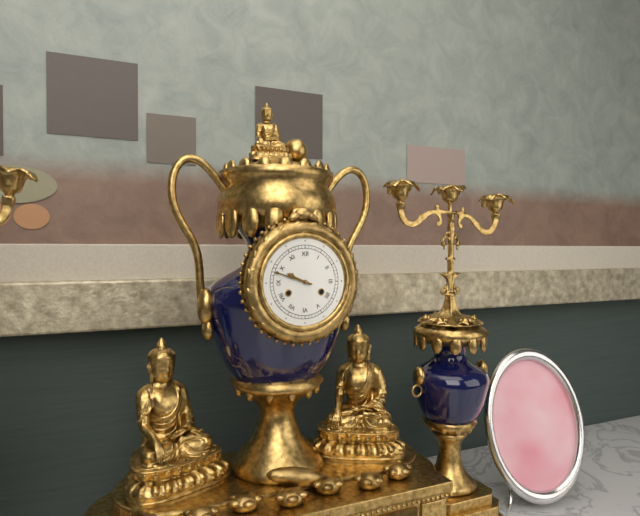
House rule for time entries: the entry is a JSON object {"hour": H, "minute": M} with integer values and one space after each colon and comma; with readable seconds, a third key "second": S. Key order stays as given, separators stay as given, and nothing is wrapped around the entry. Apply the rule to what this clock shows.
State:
{"hour": 9, "minute": 48}
